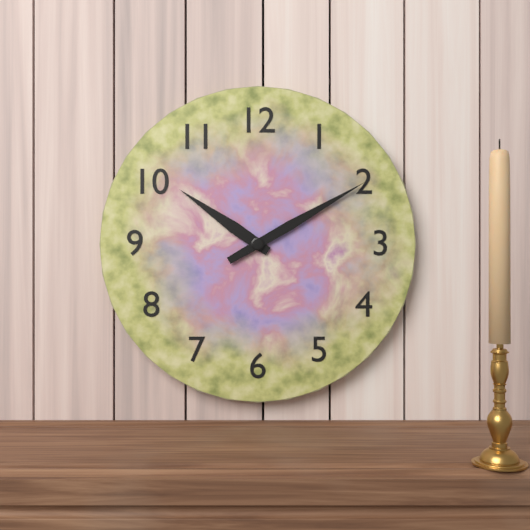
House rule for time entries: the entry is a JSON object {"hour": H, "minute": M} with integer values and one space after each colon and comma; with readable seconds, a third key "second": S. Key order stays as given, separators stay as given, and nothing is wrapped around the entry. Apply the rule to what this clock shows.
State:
{"hour": 10, "minute": 10}
